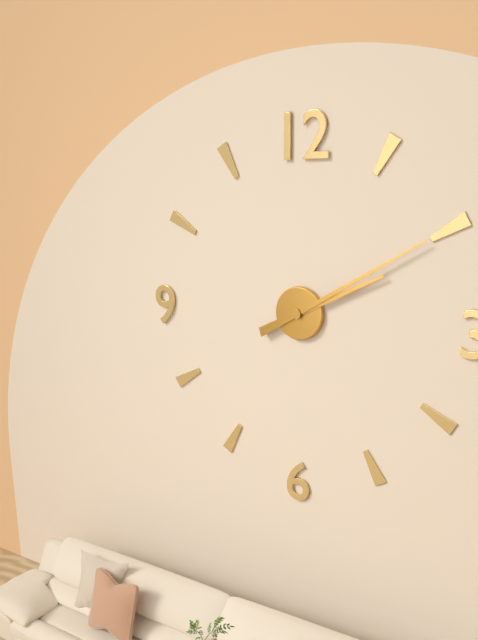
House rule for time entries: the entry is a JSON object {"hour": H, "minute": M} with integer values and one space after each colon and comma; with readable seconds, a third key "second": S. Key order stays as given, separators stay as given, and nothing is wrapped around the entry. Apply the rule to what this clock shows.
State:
{"hour": 2, "minute": 10}
